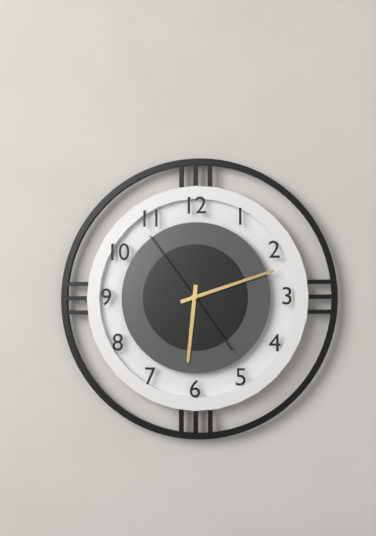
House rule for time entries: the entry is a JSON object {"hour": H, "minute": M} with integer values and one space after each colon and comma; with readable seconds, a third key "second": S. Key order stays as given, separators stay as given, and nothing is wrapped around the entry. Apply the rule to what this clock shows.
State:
{"hour": 6, "minute": 12, "second": 54}
